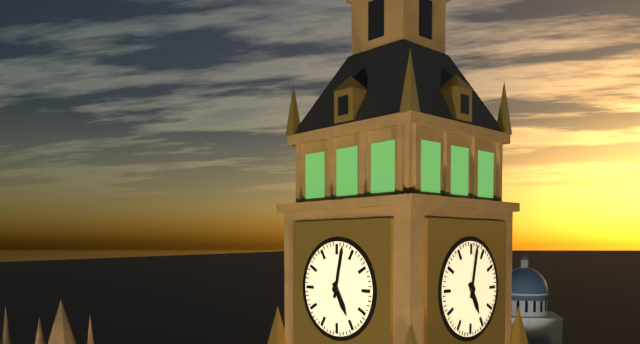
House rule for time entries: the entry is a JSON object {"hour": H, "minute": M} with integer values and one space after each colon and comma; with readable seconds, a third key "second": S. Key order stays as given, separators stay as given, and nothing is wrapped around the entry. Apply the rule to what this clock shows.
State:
{"hour": 5, "minute": 2}
